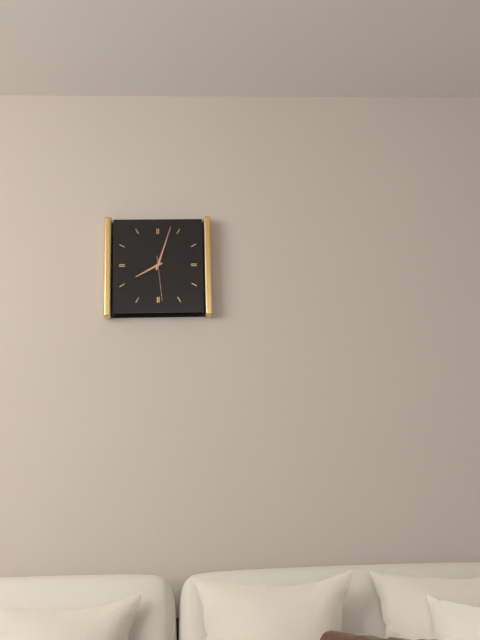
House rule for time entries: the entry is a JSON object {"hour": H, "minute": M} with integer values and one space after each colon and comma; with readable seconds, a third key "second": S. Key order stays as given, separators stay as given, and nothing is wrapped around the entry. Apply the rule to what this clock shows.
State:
{"hour": 8, "minute": 3}
